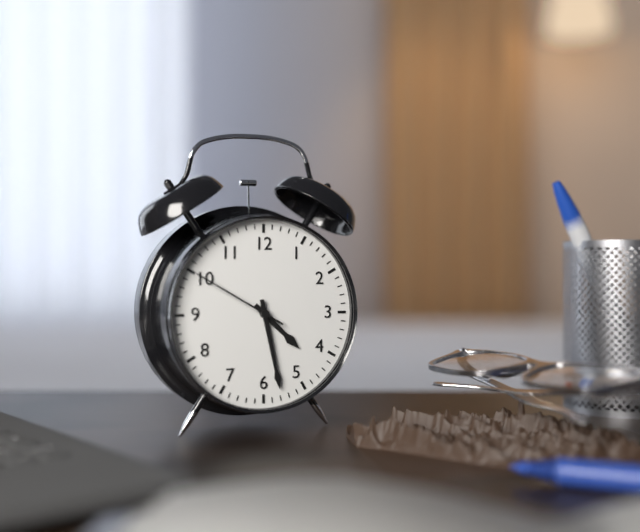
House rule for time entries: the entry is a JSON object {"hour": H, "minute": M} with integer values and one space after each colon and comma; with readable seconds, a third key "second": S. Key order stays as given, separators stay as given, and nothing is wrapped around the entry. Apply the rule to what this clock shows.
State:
{"hour": 4, "minute": 28, "second": 50}
